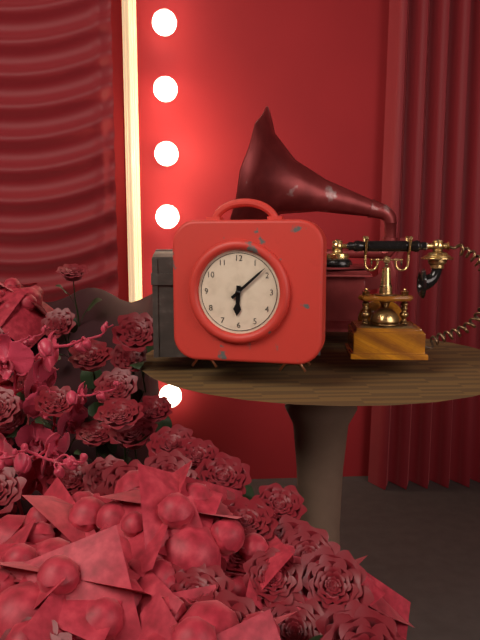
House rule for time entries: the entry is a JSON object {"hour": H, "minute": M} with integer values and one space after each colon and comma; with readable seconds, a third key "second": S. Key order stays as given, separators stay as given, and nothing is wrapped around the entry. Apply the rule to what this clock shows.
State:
{"hour": 6, "minute": 8}
